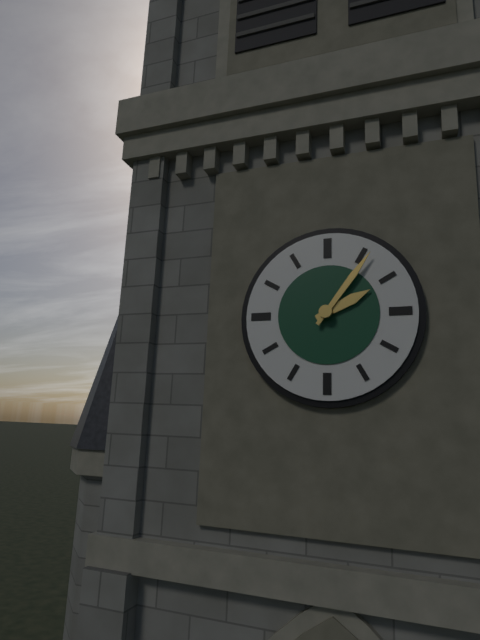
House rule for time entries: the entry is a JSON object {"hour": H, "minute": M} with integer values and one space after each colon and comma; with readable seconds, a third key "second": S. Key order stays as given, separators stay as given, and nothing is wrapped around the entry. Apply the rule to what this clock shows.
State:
{"hour": 2, "minute": 6}
